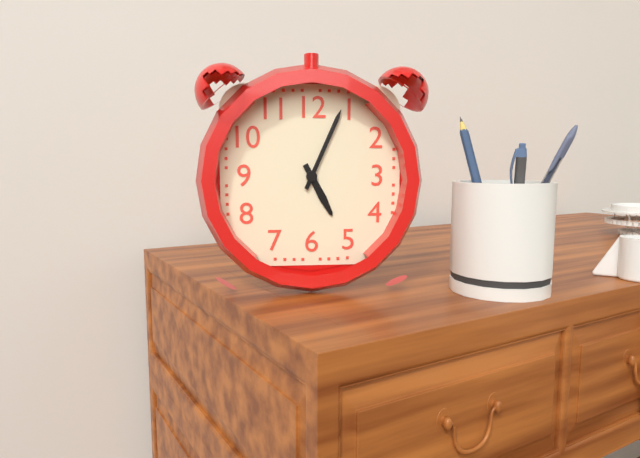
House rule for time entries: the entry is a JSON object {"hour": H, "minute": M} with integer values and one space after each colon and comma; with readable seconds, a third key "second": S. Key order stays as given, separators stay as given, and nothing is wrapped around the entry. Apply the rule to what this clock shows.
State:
{"hour": 5, "minute": 4}
